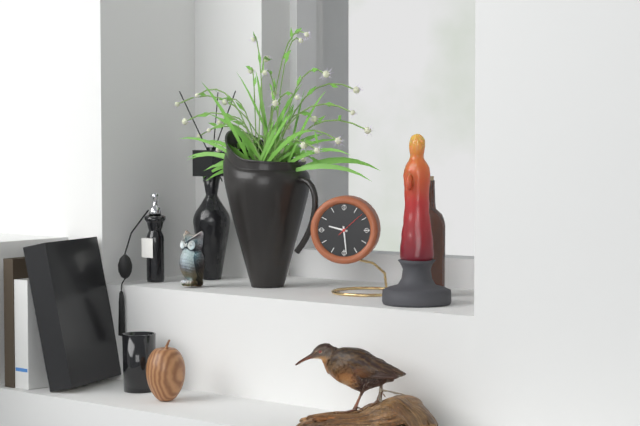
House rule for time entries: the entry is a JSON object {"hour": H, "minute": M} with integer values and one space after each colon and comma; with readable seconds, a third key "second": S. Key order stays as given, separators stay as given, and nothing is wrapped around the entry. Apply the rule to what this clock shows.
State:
{"hour": 9, "minute": 29}
